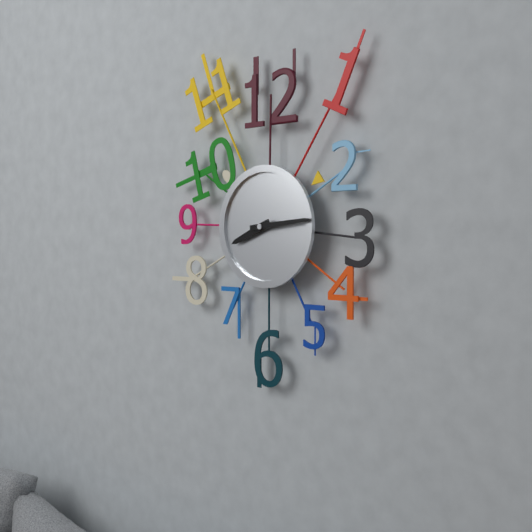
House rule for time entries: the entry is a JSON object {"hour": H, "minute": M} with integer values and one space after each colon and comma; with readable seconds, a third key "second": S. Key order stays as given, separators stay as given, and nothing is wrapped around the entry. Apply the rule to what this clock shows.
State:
{"hour": 8, "minute": 14}
